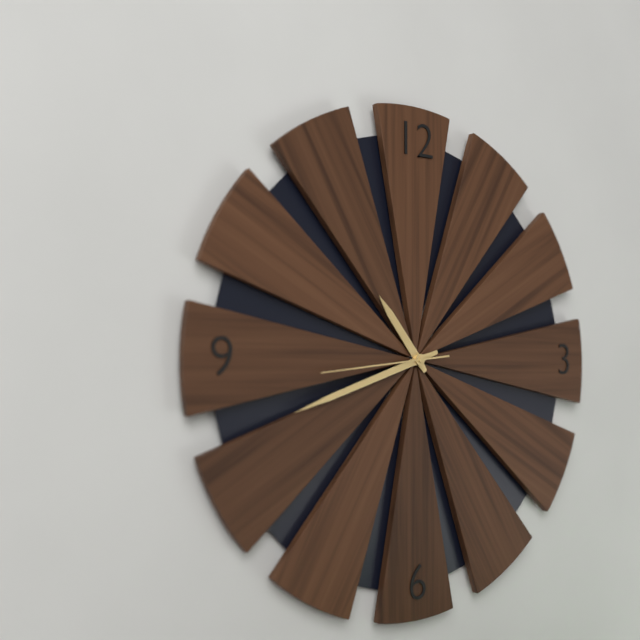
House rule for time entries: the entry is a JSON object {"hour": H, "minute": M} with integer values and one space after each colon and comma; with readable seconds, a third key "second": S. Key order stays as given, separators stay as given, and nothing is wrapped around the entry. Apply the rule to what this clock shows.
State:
{"hour": 10, "minute": 42, "second": 44}
